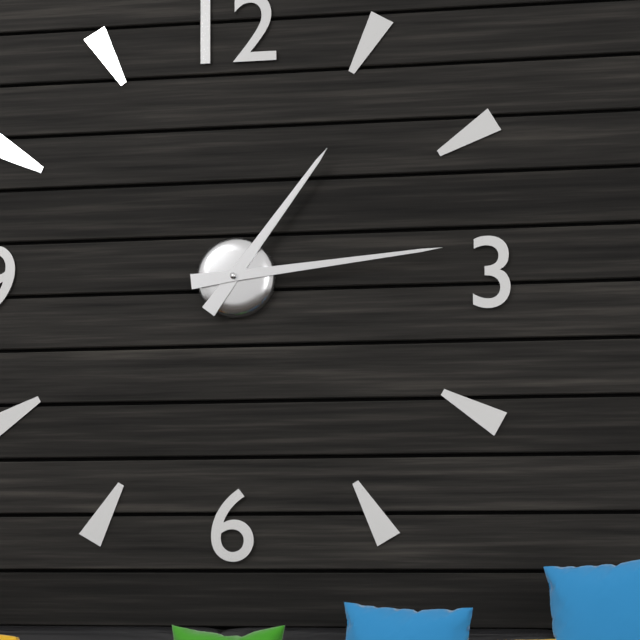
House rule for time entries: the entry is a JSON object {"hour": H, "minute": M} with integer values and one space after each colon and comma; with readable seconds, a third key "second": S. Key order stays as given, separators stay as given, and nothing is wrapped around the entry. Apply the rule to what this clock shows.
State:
{"hour": 1, "minute": 14}
